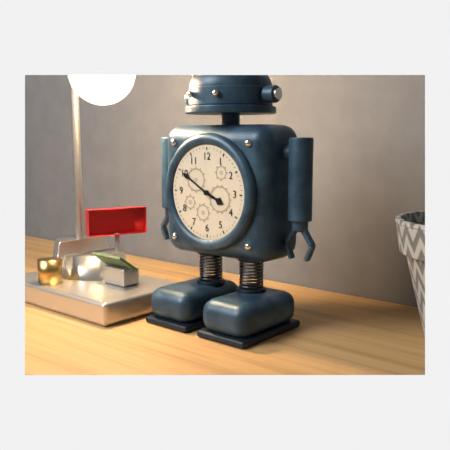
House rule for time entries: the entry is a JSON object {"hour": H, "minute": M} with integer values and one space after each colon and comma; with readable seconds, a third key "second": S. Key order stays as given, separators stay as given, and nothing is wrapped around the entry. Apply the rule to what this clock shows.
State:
{"hour": 3, "minute": 50}
